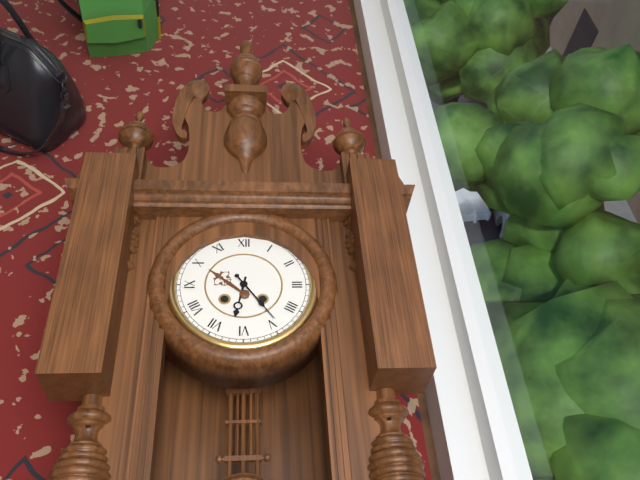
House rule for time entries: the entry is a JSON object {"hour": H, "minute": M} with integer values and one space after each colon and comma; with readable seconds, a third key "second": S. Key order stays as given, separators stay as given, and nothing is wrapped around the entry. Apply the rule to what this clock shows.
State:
{"hour": 6, "minute": 24}
